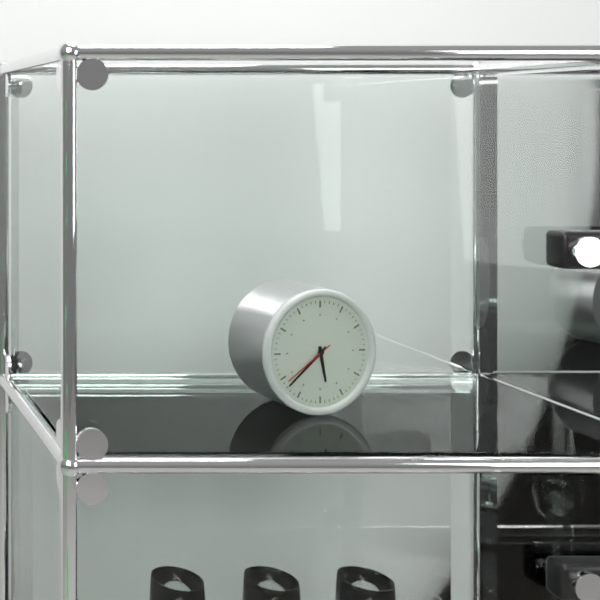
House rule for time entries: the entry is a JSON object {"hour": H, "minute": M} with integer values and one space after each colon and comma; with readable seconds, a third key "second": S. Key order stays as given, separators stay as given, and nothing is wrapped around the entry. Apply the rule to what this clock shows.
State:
{"hour": 5, "minute": 38, "second": 39}
